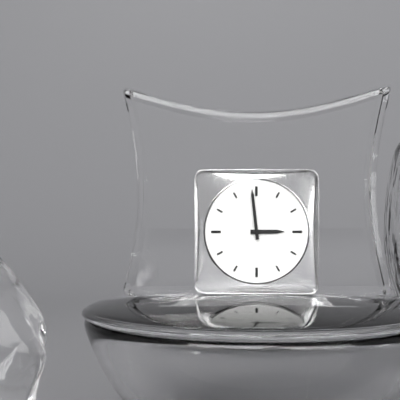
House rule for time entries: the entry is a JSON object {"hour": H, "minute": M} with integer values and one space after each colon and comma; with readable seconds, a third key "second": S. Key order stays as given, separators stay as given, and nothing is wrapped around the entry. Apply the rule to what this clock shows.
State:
{"hour": 2, "minute": 59}
